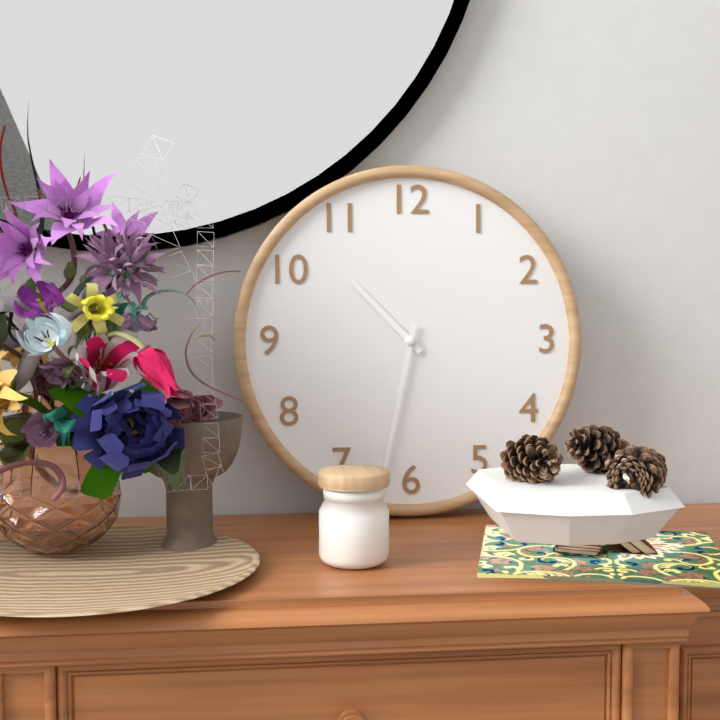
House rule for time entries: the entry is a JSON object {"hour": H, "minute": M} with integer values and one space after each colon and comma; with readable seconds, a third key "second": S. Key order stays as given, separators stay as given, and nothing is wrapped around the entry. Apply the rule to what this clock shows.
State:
{"hour": 10, "minute": 32}
